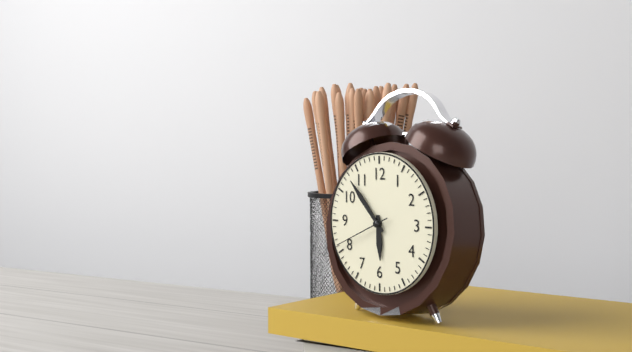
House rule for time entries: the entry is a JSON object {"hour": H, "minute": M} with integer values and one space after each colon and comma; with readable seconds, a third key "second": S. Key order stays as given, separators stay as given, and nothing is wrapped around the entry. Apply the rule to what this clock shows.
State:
{"hour": 5, "minute": 53, "second": 41}
